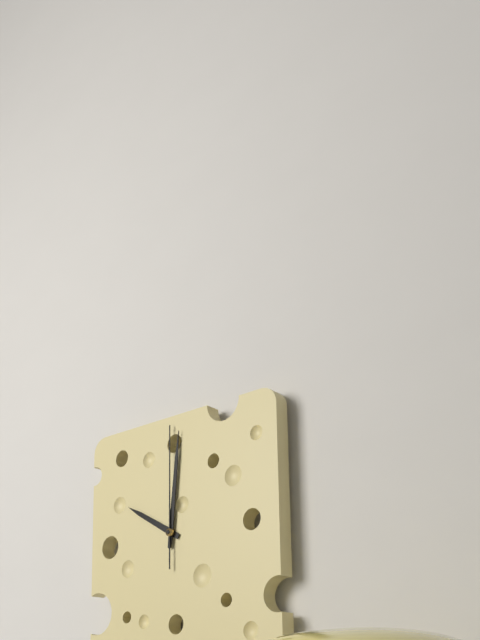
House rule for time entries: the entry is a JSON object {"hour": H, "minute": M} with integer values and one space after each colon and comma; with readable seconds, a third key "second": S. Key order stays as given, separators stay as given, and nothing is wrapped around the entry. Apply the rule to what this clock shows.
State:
{"hour": 10, "minute": 1, "second": 0}
